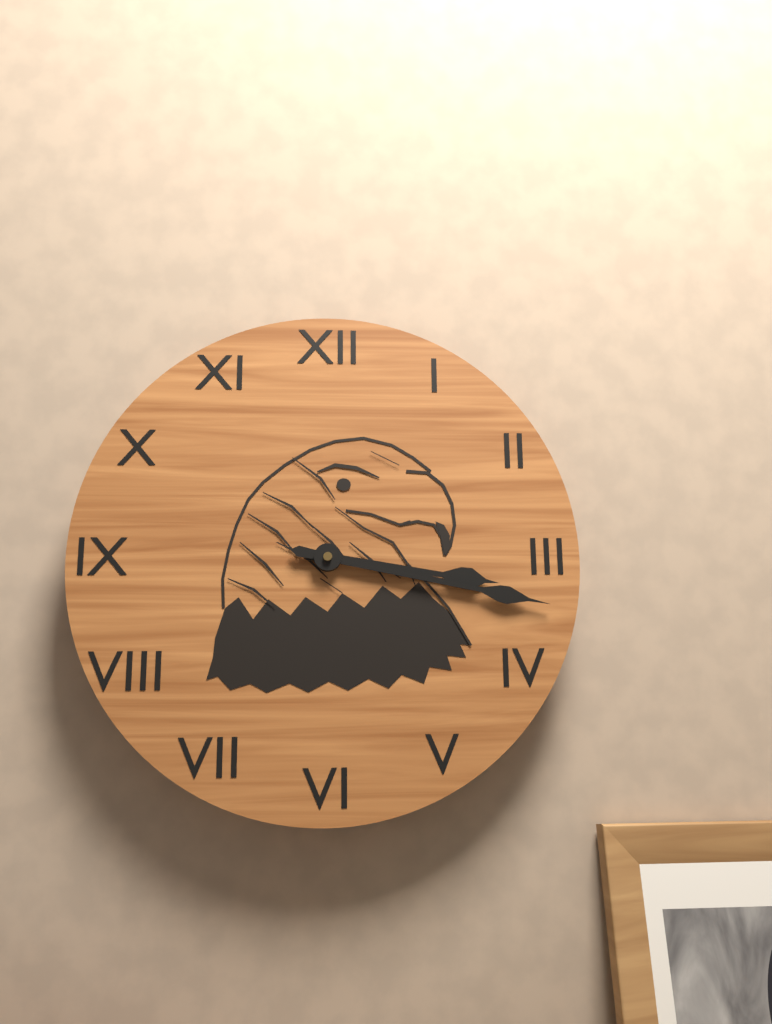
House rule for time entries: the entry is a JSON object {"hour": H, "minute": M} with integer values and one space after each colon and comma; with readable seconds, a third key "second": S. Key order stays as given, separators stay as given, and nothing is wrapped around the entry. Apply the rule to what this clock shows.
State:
{"hour": 3, "minute": 17}
